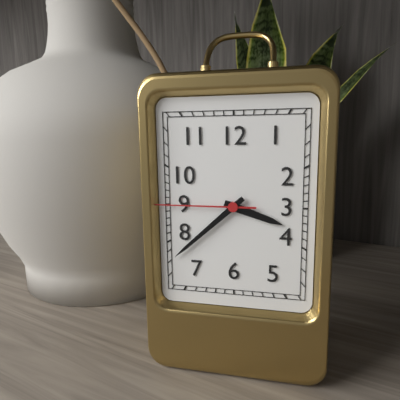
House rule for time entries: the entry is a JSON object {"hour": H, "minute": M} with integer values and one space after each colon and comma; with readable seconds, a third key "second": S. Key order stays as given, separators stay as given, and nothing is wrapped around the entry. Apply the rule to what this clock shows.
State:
{"hour": 3, "minute": 38, "second": 45}
